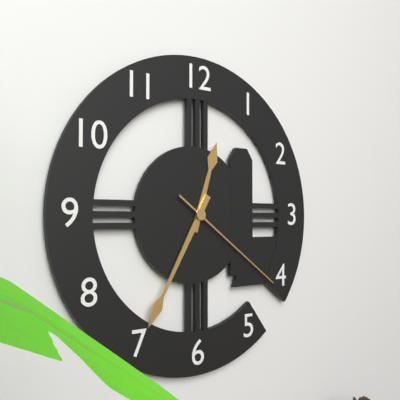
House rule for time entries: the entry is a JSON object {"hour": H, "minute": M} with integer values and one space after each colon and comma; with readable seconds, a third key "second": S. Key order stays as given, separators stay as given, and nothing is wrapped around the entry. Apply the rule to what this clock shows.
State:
{"hour": 12, "minute": 35, "second": 21}
